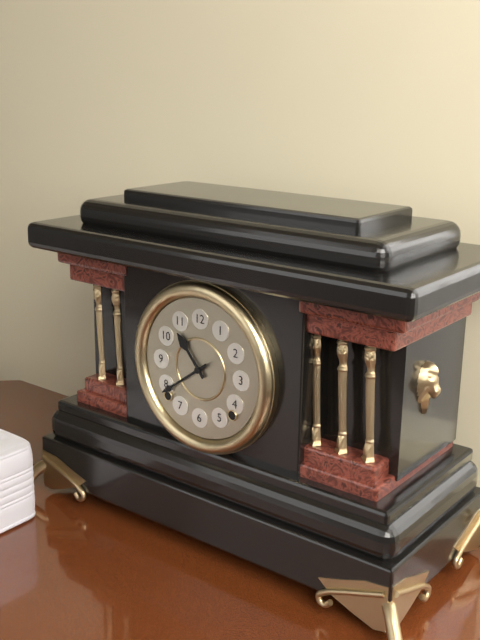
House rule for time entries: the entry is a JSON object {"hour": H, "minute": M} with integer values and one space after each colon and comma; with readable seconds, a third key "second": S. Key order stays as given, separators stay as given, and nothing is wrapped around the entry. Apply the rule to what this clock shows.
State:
{"hour": 10, "minute": 39}
